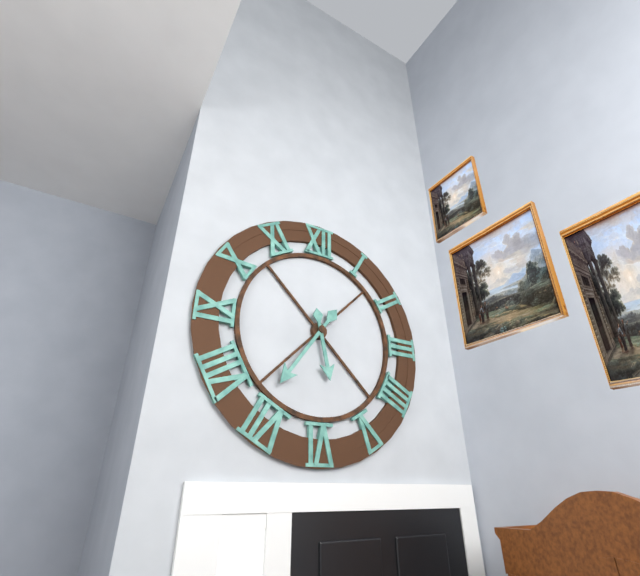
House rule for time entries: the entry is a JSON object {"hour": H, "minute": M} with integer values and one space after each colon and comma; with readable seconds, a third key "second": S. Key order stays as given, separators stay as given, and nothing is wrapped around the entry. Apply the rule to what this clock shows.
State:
{"hour": 5, "minute": 36}
